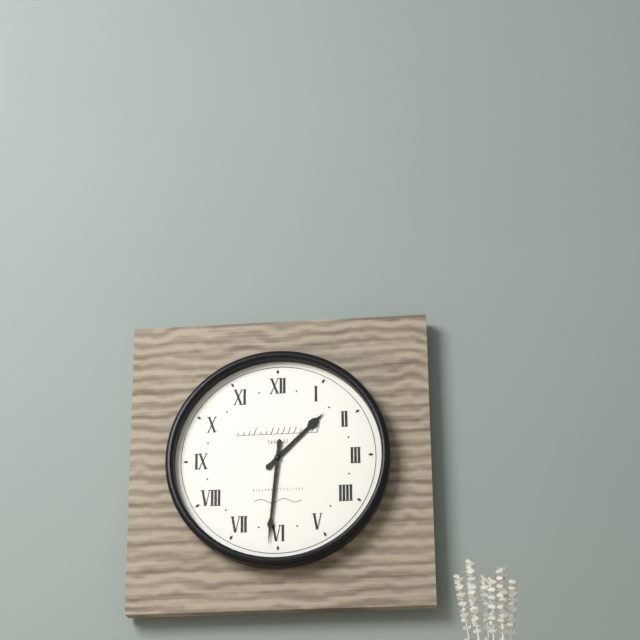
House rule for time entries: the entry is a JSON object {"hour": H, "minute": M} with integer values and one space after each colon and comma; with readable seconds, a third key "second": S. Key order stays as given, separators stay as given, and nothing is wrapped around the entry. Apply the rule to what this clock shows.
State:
{"hour": 1, "minute": 31}
